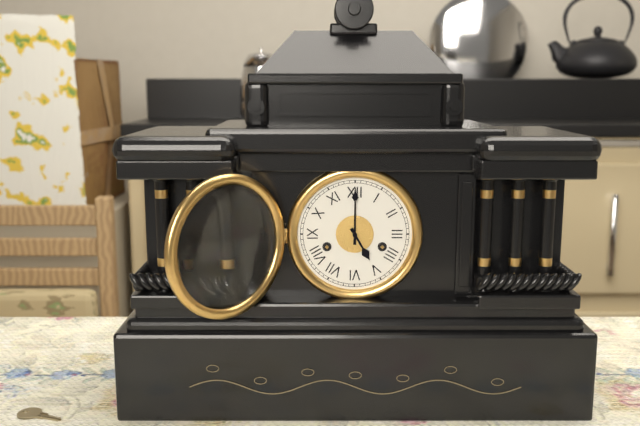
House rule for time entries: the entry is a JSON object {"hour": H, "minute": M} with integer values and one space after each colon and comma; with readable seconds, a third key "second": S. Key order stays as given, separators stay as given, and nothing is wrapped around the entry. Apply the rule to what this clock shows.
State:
{"hour": 5, "minute": 0}
